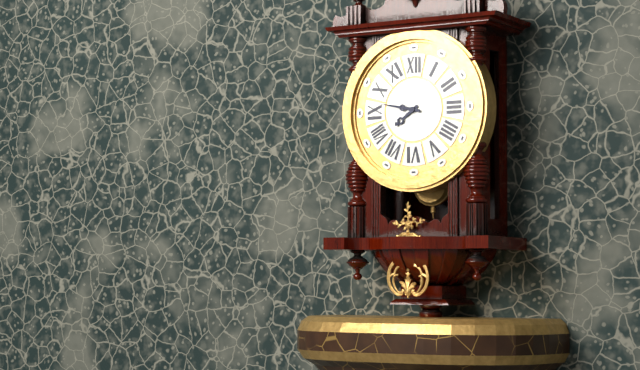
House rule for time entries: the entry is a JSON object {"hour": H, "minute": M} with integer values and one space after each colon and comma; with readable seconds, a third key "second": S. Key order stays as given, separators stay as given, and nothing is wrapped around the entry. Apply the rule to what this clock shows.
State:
{"hour": 7, "minute": 47}
